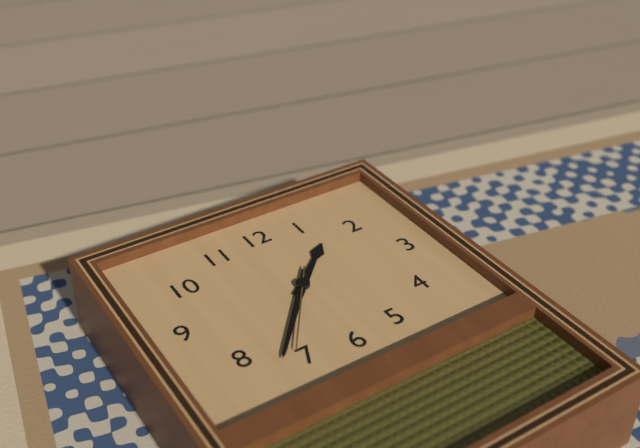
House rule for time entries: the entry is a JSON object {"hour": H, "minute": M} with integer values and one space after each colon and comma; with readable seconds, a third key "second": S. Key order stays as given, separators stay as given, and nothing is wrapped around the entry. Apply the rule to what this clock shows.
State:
{"hour": 1, "minute": 37, "second": 36}
